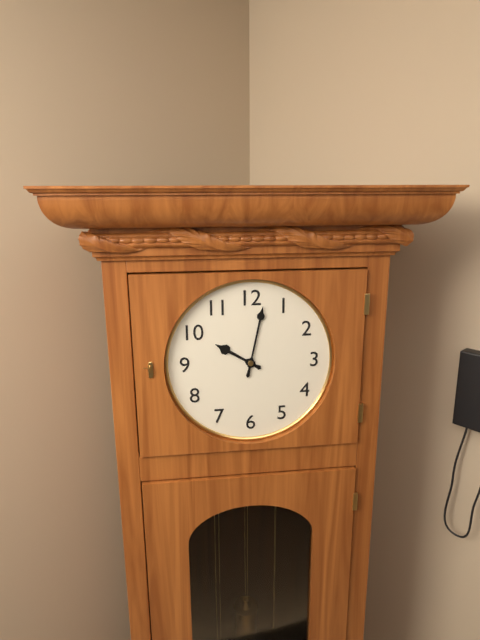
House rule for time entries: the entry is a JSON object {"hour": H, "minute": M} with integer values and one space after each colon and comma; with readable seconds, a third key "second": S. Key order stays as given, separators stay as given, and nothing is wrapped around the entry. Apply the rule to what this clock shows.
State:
{"hour": 10, "minute": 2}
